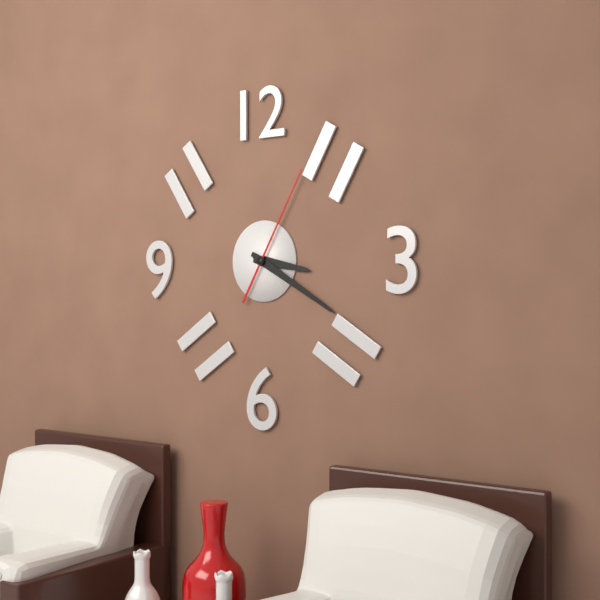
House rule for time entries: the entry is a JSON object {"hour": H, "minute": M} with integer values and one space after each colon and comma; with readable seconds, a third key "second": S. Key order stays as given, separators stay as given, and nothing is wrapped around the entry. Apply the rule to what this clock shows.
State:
{"hour": 3, "minute": 20, "second": 5}
